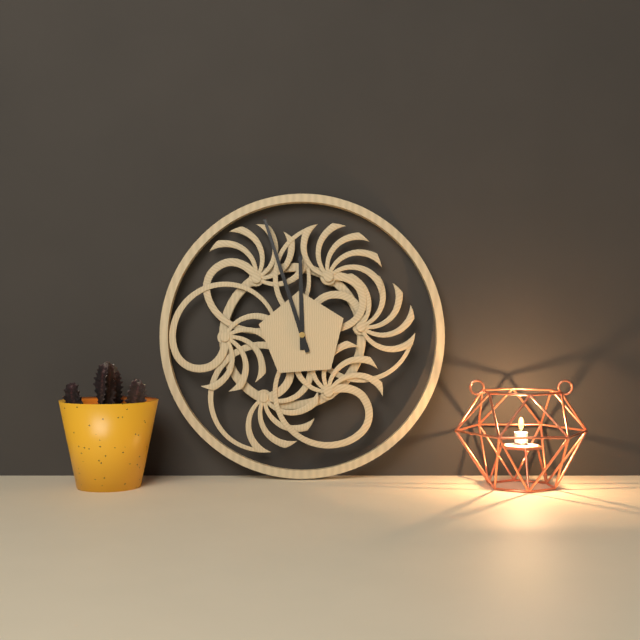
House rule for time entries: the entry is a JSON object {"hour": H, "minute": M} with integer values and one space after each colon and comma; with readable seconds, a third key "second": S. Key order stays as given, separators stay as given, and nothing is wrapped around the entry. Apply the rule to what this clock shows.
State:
{"hour": 11, "minute": 57}
